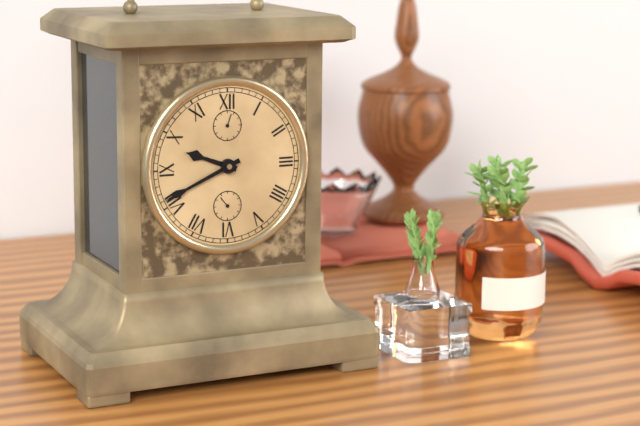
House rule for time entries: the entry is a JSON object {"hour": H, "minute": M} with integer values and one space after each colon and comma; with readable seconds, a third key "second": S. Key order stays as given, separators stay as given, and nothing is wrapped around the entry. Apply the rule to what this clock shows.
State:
{"hour": 9, "minute": 41}
